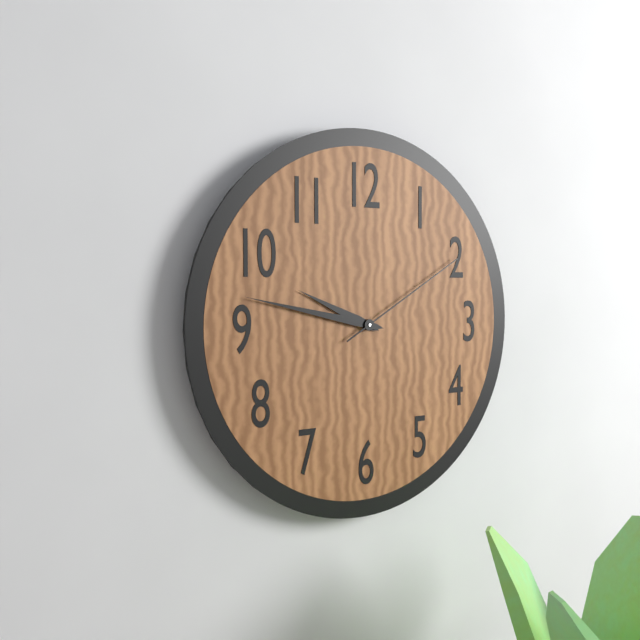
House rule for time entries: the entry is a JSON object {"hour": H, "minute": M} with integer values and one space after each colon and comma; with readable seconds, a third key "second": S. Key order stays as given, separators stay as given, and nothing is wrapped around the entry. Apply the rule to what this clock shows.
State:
{"hour": 9, "minute": 47, "second": 10}
